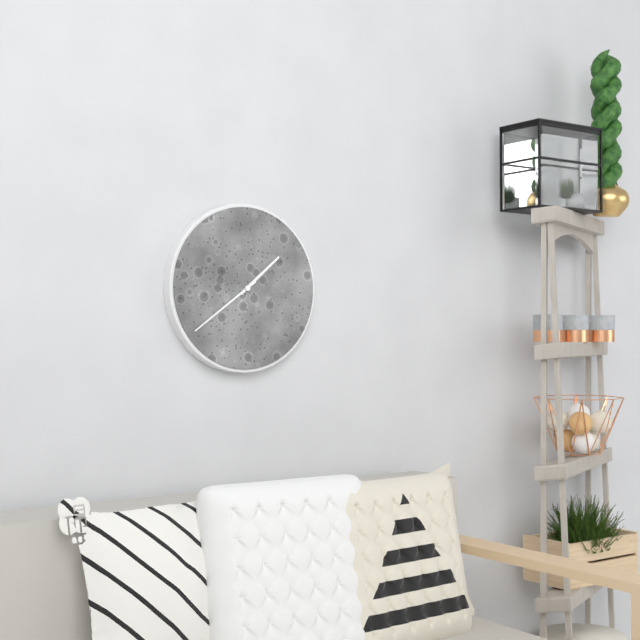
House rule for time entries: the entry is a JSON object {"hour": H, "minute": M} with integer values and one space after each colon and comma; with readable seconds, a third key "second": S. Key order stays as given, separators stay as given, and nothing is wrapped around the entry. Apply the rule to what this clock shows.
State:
{"hour": 1, "minute": 39}
